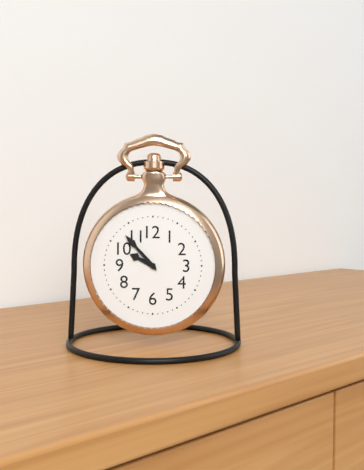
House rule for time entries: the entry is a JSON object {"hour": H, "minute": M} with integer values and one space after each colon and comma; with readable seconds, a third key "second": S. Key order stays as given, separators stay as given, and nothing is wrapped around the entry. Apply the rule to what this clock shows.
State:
{"hour": 9, "minute": 53}
